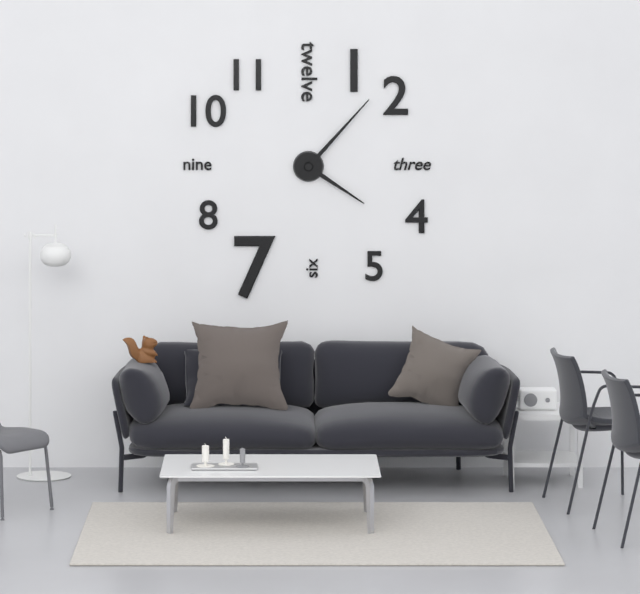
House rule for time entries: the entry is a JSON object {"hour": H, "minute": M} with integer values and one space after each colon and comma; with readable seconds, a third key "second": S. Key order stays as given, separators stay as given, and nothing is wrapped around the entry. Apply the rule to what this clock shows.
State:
{"hour": 4, "minute": 7}
